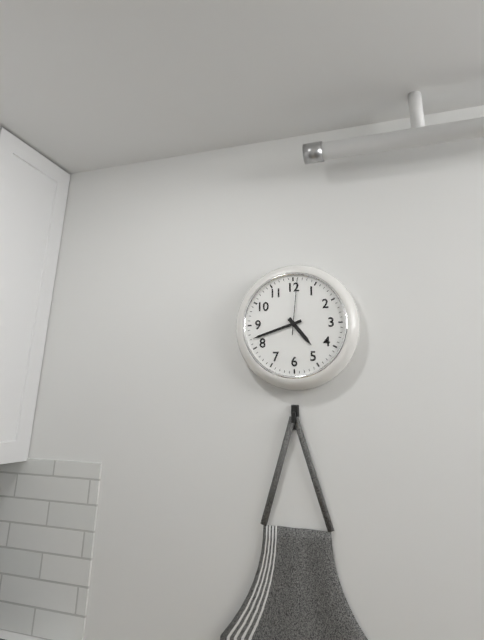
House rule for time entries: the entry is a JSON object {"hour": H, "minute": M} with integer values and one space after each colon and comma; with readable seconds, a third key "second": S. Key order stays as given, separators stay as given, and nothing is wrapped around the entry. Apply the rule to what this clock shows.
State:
{"hour": 4, "minute": 42, "second": 1}
